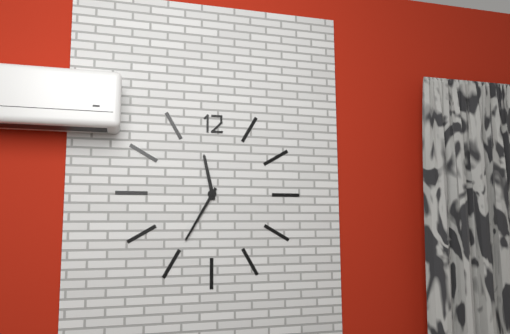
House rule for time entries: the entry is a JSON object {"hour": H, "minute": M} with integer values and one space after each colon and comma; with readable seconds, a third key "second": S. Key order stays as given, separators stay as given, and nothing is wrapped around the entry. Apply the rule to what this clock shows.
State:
{"hour": 11, "minute": 35}
